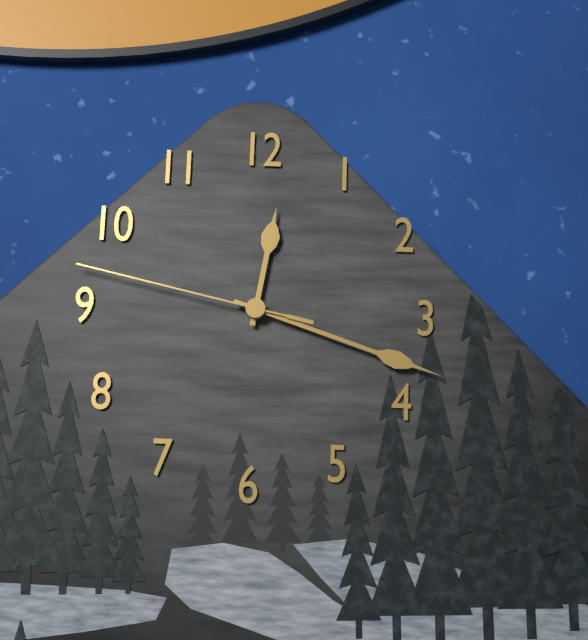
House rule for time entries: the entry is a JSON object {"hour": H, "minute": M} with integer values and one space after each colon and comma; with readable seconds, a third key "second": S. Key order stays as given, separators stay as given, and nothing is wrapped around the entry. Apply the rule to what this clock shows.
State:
{"hour": 12, "minute": 18, "second": 47}
